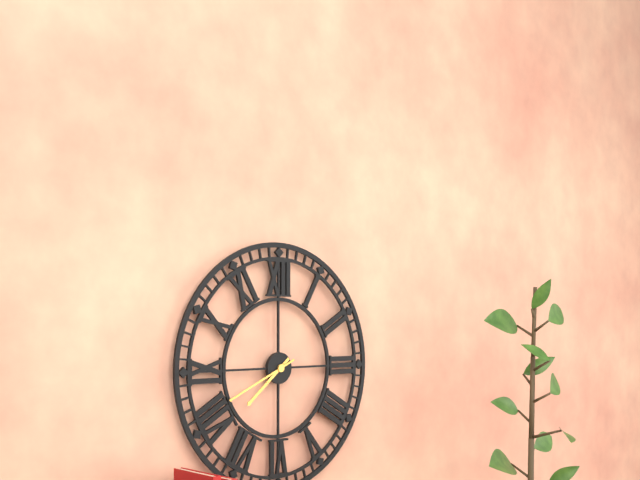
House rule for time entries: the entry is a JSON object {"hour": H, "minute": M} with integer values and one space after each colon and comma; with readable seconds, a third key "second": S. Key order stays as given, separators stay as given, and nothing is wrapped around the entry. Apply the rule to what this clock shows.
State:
{"hour": 7, "minute": 41}
